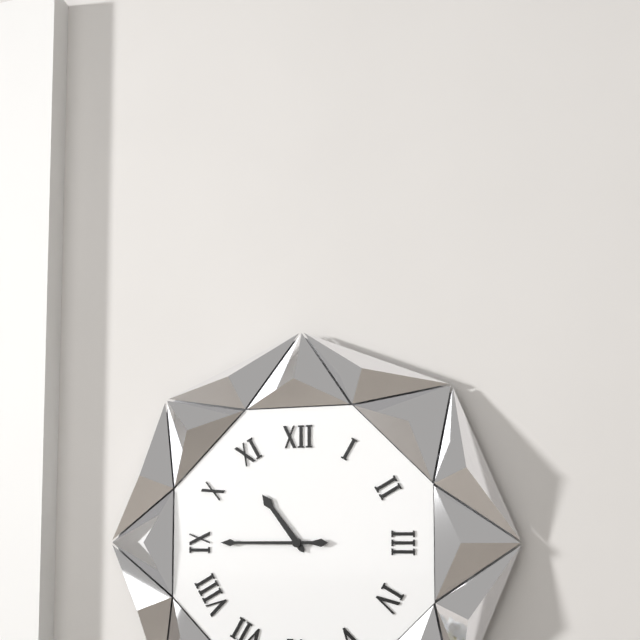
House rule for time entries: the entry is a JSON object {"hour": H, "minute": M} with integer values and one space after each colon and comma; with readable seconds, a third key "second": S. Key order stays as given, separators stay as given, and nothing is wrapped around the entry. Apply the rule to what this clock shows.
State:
{"hour": 10, "minute": 45}
